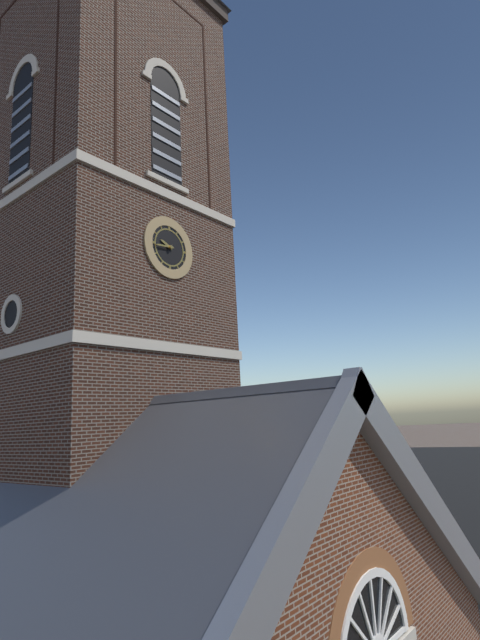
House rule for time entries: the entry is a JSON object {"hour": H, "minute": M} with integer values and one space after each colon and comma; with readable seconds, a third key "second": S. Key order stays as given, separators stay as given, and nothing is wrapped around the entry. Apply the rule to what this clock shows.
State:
{"hour": 9, "minute": 44}
